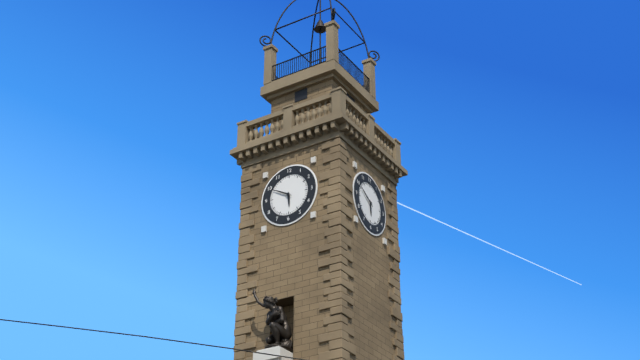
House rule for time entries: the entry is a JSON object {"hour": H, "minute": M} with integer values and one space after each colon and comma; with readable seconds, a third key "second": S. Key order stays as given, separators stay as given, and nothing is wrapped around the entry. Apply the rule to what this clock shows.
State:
{"hour": 5, "minute": 50}
